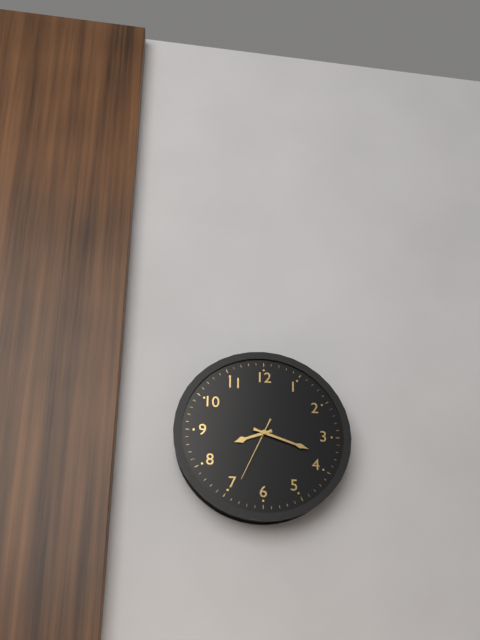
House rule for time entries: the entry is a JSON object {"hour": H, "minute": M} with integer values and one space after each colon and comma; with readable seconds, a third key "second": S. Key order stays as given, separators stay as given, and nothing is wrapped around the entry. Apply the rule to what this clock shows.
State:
{"hour": 8, "minute": 18, "second": 34}
